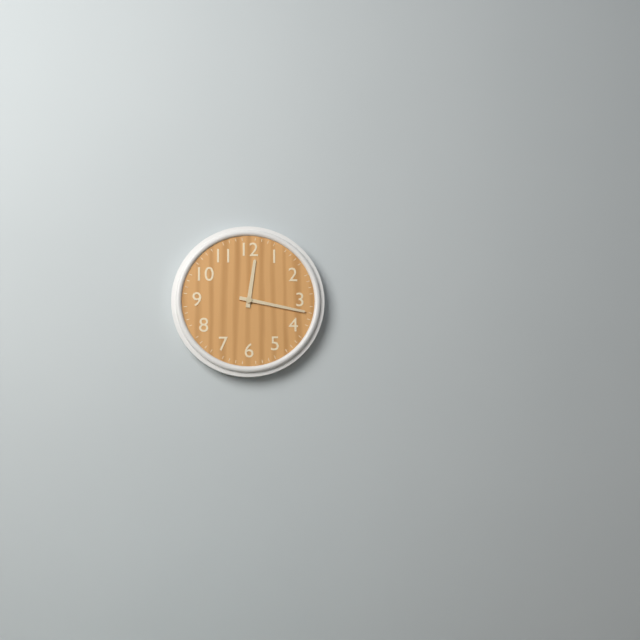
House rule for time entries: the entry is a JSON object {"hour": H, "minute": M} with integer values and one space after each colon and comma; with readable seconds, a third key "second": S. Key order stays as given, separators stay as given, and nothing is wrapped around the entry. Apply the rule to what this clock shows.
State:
{"hour": 12, "minute": 17}
